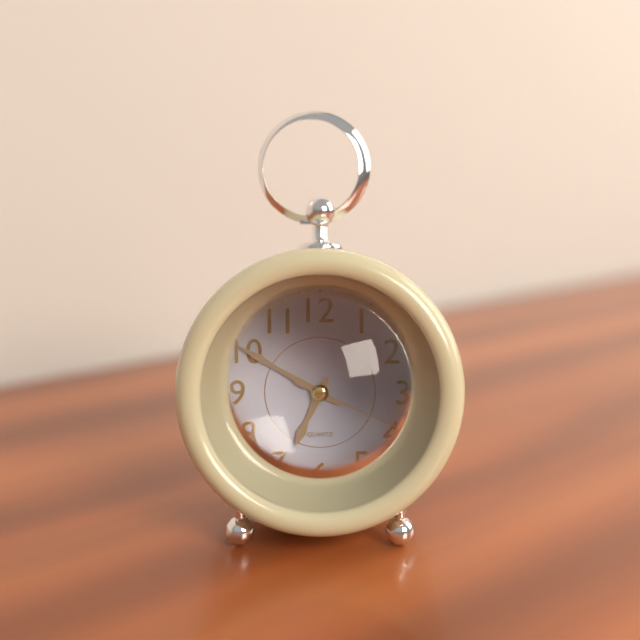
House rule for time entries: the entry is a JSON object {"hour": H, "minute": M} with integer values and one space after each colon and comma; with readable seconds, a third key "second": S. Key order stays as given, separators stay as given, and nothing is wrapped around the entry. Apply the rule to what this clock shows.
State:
{"hour": 6, "minute": 50, "second": 19}
